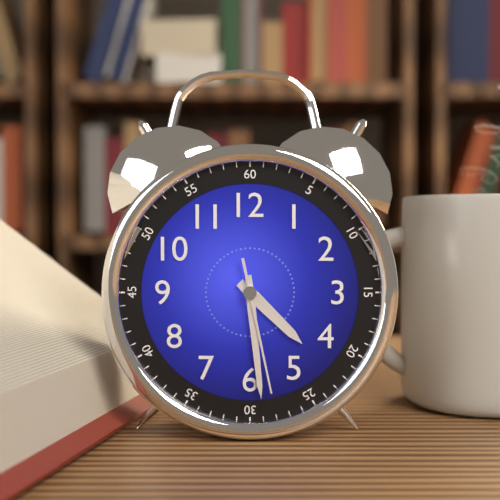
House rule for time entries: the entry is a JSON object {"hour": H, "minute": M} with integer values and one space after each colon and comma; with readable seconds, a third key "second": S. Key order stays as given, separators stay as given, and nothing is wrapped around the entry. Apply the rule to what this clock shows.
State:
{"hour": 4, "minute": 29, "second": 28}
